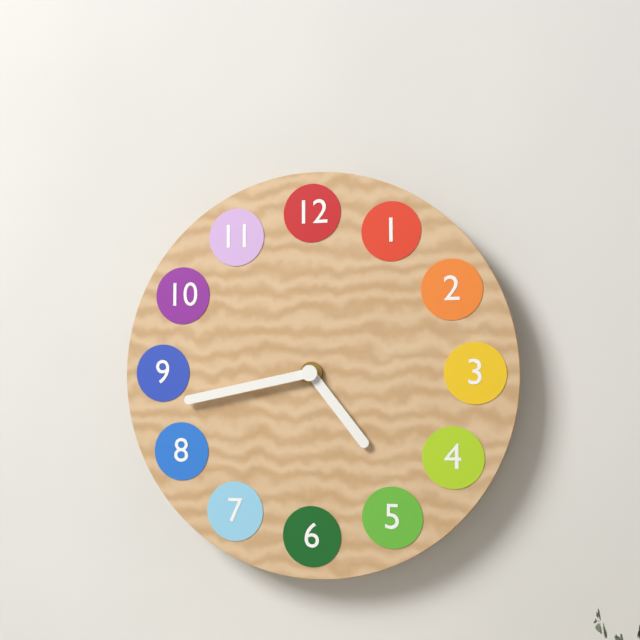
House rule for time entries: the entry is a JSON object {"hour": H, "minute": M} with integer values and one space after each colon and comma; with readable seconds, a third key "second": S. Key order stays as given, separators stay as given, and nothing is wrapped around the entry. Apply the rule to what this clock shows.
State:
{"hour": 4, "minute": 43}
